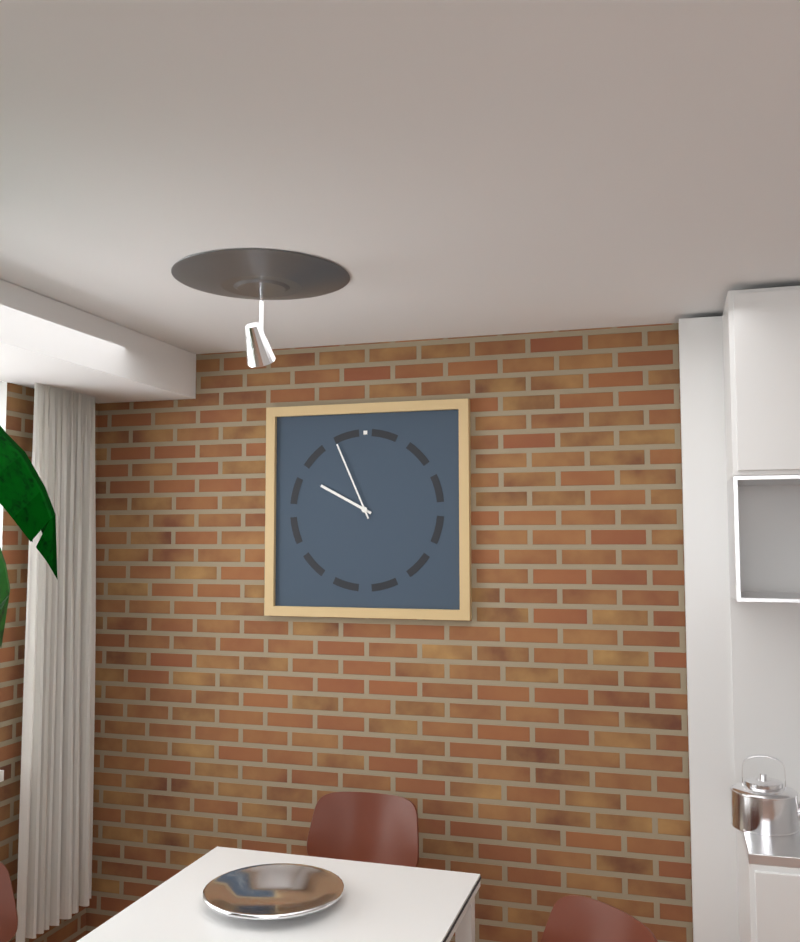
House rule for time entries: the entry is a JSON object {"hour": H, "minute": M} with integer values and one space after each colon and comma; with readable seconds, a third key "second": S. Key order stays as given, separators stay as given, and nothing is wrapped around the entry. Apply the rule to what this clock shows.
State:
{"hour": 9, "minute": 56}
